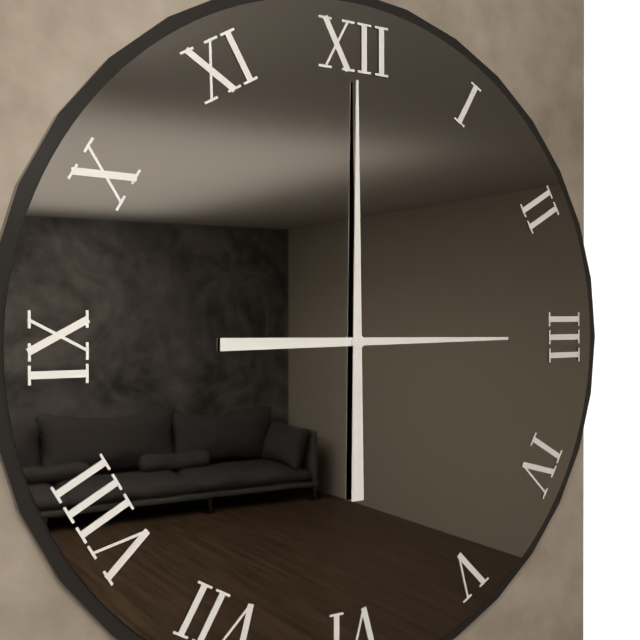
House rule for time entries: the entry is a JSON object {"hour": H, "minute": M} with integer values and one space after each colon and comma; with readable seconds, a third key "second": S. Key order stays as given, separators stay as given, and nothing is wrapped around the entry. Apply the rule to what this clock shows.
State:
{"hour": 3, "minute": 0}
